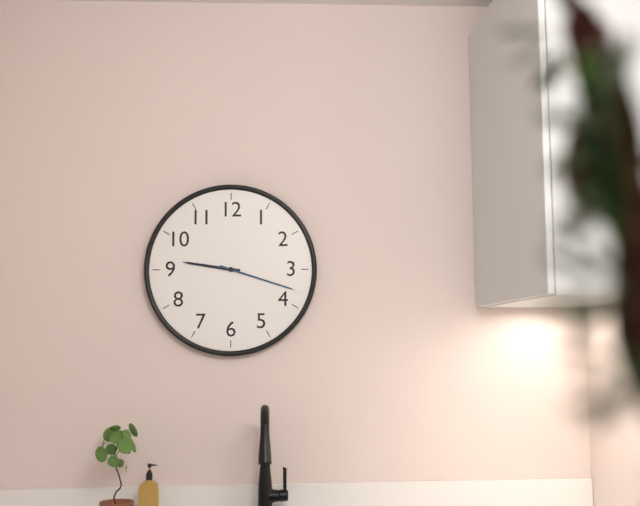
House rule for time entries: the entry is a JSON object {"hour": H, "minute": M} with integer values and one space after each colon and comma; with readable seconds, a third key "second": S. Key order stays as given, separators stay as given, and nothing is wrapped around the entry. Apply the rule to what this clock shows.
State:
{"hour": 9, "minute": 18}
